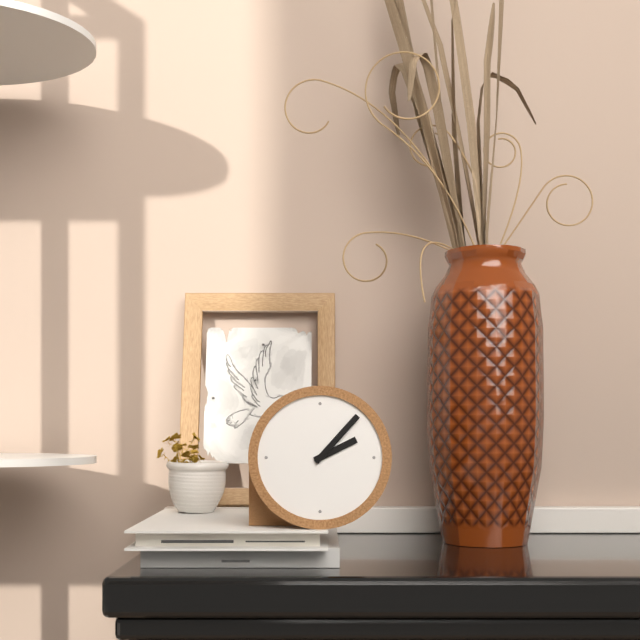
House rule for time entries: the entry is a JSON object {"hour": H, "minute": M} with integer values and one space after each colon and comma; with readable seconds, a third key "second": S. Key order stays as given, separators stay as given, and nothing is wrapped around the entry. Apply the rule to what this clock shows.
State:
{"hour": 2, "minute": 7}
